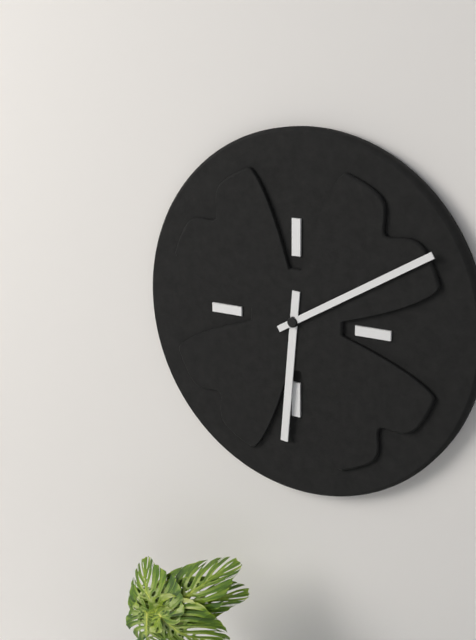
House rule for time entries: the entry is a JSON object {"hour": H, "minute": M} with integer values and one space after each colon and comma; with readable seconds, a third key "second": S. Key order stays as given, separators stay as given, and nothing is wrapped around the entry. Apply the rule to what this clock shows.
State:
{"hour": 6, "minute": 10}
